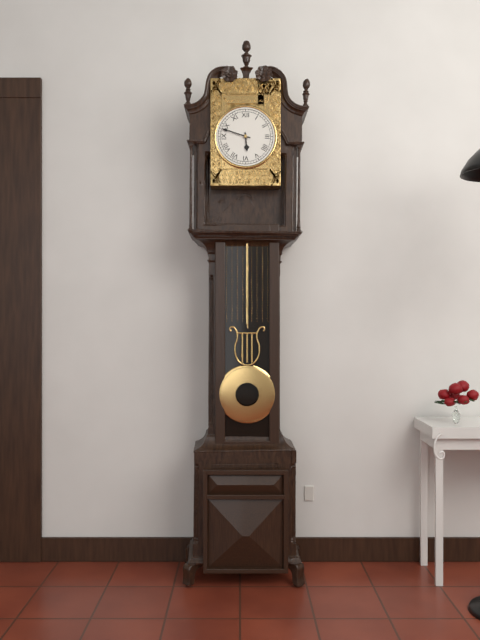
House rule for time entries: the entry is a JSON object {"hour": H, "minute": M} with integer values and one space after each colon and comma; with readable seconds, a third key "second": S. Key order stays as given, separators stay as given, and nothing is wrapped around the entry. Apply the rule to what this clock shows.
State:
{"hour": 5, "minute": 48}
